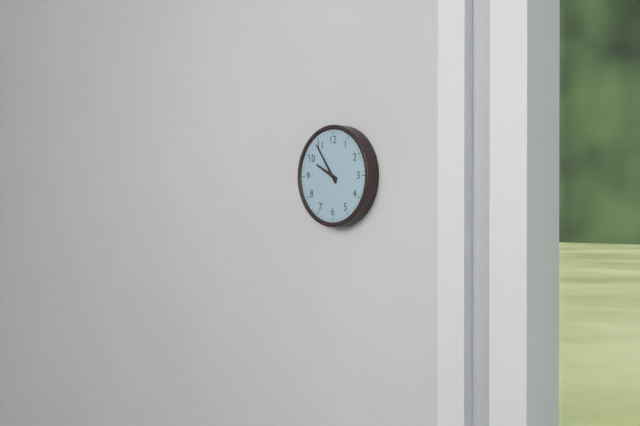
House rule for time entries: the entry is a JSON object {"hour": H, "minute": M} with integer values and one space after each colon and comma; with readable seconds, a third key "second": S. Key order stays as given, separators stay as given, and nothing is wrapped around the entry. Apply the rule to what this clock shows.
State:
{"hour": 9, "minute": 54}
